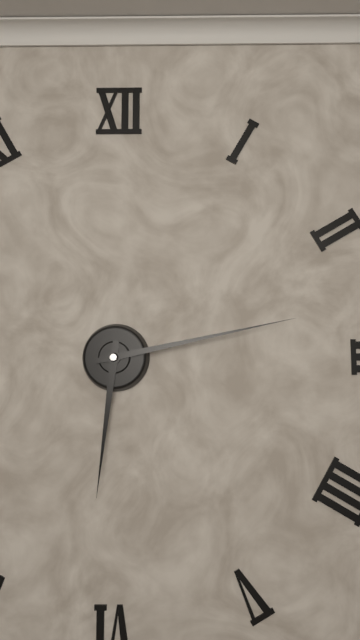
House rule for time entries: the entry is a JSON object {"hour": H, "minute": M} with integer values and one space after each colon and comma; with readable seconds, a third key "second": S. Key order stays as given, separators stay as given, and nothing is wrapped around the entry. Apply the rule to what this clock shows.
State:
{"hour": 6, "minute": 13}
